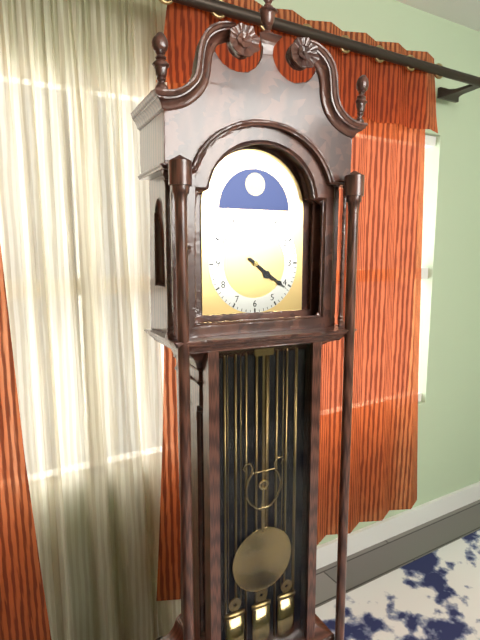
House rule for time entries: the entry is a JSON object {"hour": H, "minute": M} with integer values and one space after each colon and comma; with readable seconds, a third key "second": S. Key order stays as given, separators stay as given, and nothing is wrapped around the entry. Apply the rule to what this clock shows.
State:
{"hour": 4, "minute": 21}
